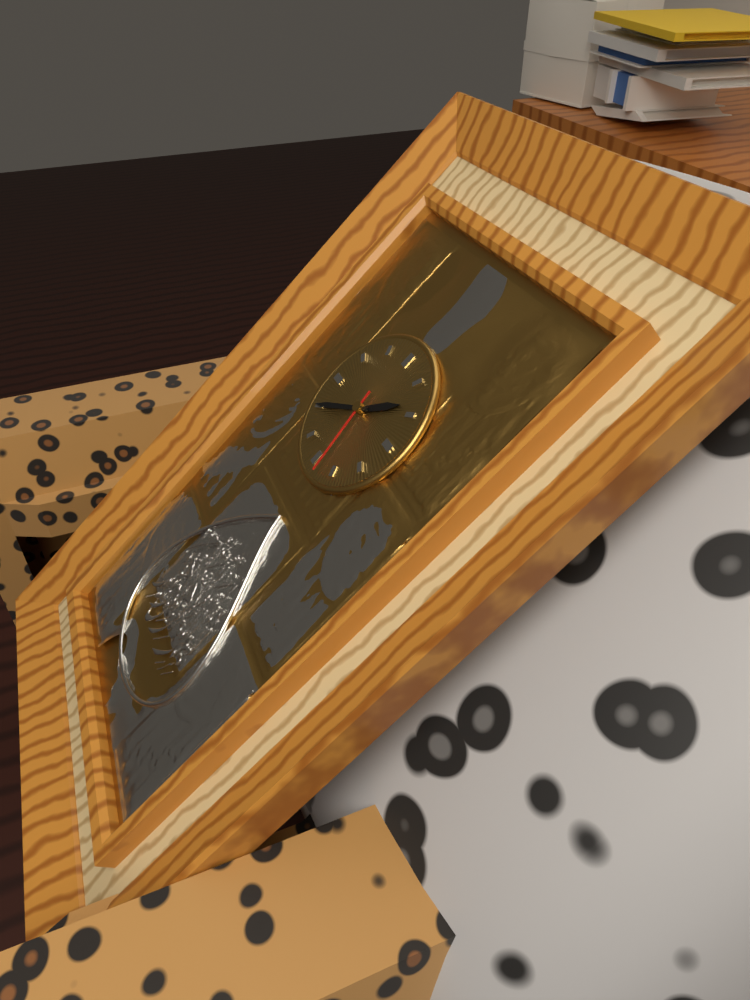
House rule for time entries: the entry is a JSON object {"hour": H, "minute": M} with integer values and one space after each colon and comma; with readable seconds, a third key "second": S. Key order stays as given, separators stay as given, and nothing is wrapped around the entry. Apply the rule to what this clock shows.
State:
{"hour": 1, "minute": 40, "second": 28}
